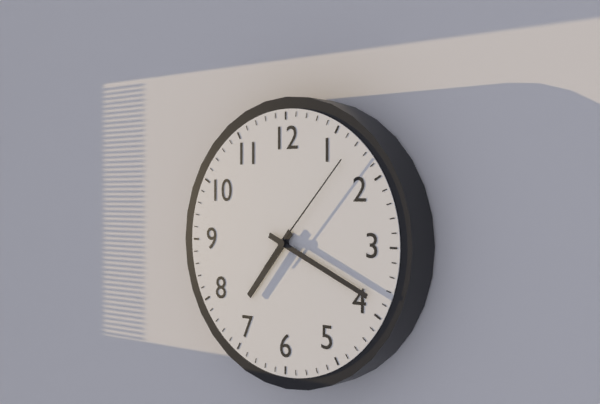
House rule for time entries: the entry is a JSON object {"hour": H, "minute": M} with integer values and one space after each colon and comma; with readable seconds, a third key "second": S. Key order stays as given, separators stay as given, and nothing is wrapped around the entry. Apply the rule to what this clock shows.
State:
{"hour": 7, "minute": 19, "second": 7}
